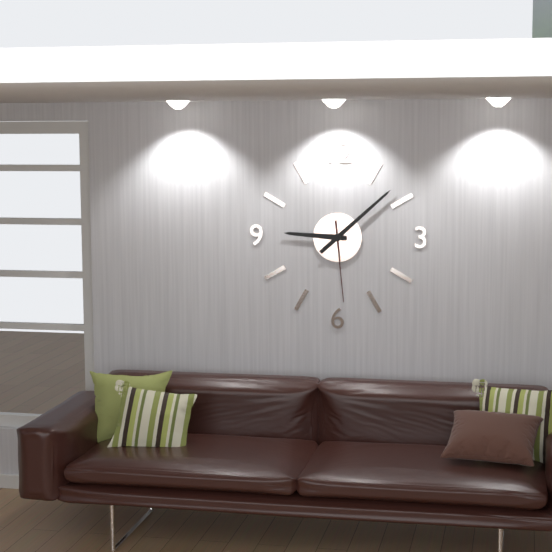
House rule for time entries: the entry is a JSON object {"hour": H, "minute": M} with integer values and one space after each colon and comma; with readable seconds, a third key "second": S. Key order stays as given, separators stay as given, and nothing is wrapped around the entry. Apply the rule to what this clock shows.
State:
{"hour": 9, "minute": 8, "second": 29}
